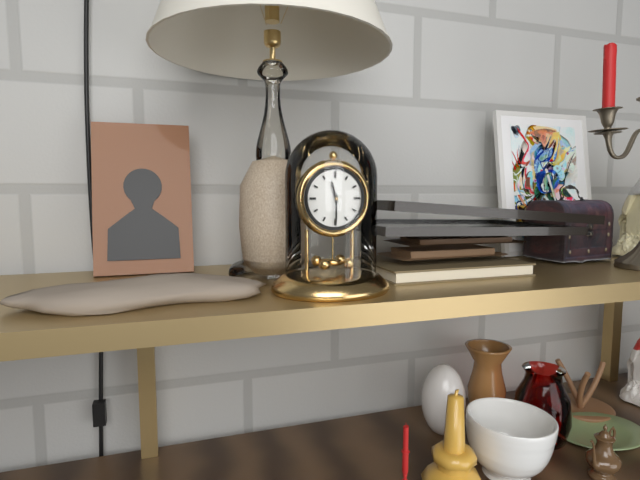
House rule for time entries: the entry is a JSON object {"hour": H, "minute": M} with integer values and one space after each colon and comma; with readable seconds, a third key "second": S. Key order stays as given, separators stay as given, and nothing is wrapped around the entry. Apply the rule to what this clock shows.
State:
{"hour": 11, "minute": 30}
